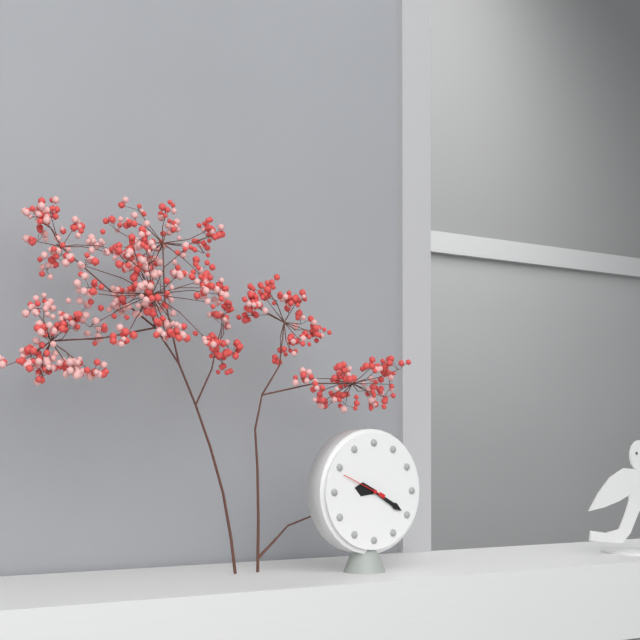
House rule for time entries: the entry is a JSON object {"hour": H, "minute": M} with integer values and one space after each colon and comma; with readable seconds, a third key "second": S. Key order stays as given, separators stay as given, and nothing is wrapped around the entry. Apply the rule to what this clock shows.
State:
{"hour": 9, "minute": 20}
